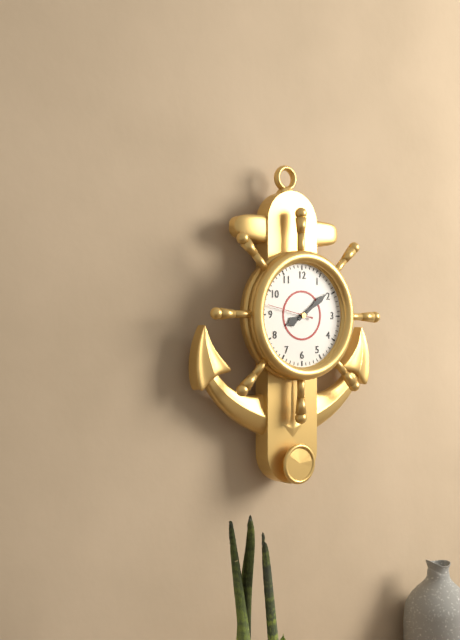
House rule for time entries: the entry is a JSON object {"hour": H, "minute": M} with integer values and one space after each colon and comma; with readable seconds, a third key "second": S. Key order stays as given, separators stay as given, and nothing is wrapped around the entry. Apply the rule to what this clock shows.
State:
{"hour": 8, "minute": 9}
